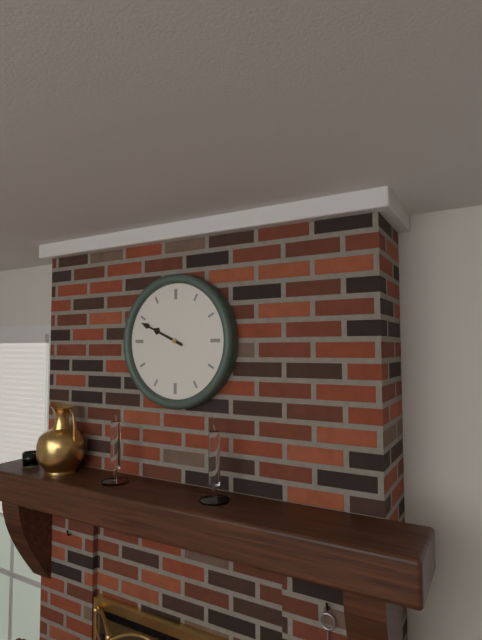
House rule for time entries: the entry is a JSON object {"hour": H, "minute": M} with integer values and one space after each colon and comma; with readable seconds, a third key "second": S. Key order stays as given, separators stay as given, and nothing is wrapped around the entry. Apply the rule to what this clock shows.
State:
{"hour": 9, "minute": 49}
